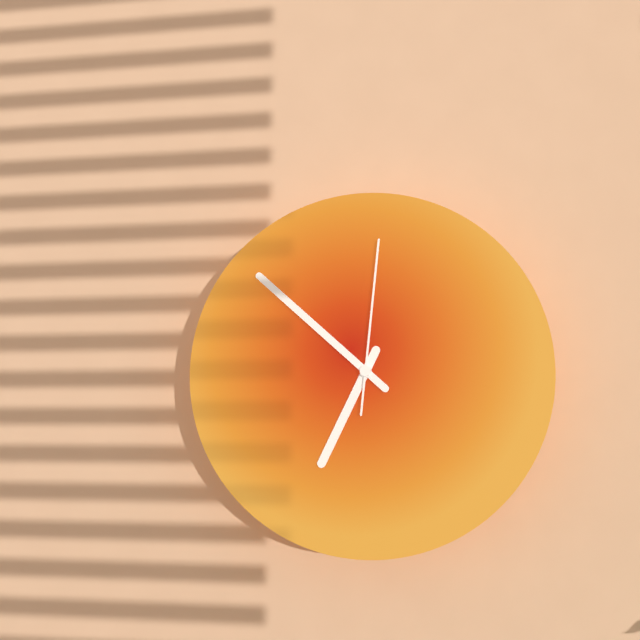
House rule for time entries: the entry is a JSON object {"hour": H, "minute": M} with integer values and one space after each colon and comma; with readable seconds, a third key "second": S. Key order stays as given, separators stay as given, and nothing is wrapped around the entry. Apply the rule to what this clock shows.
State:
{"hour": 6, "minute": 52, "second": 1}
